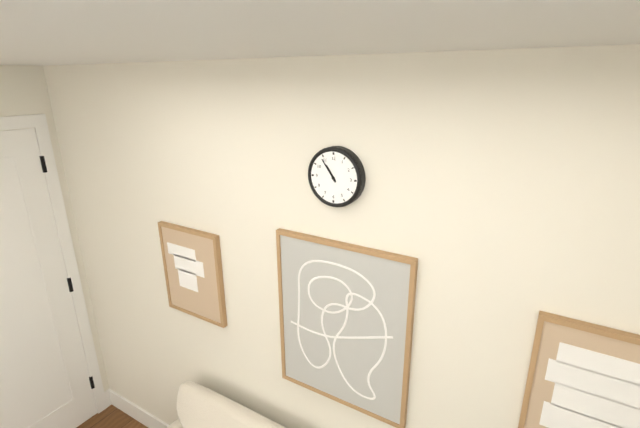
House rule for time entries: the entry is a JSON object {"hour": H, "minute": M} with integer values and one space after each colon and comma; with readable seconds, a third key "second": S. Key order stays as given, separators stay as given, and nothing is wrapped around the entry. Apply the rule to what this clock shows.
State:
{"hour": 10, "minute": 54}
